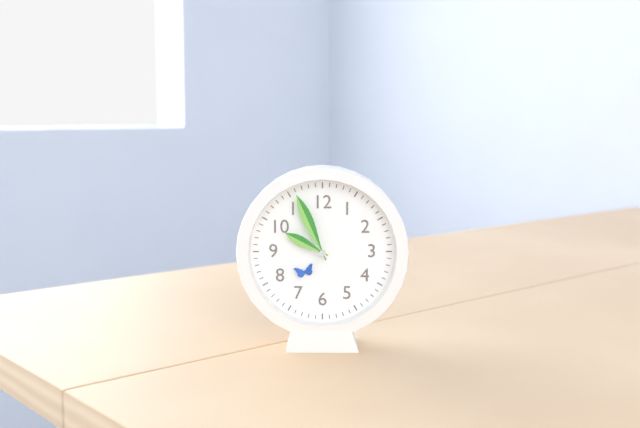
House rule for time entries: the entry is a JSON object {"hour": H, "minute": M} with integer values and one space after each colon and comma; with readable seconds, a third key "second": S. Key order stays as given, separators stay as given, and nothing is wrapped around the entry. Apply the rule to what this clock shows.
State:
{"hour": 9, "minute": 56}
